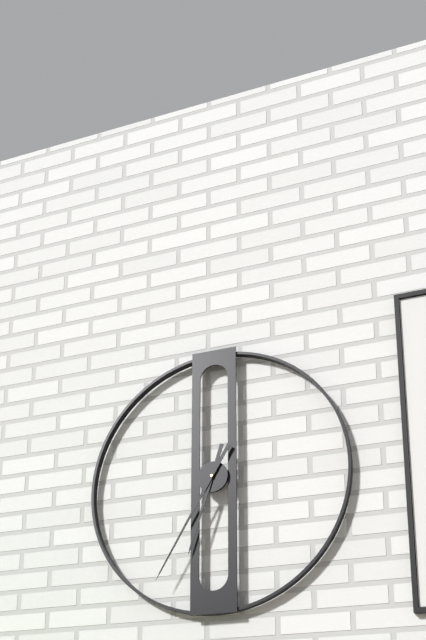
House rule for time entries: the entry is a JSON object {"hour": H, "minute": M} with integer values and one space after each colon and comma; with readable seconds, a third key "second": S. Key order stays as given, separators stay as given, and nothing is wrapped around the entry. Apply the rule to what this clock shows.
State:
{"hour": 6, "minute": 35}
